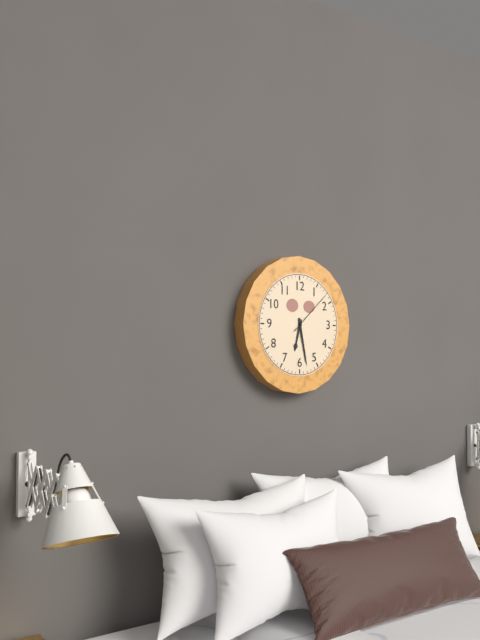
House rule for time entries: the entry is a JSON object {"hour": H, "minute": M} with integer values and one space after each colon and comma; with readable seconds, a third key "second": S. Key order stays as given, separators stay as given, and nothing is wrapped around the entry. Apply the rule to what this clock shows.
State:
{"hour": 6, "minute": 28}
